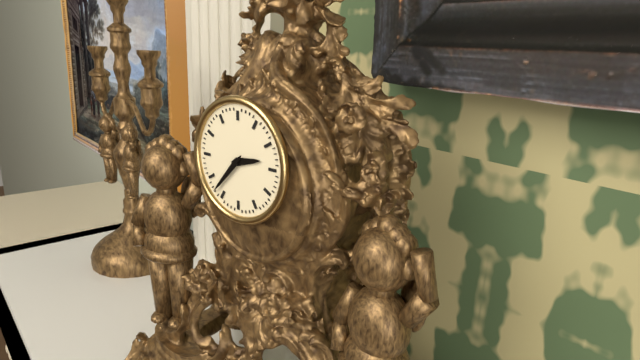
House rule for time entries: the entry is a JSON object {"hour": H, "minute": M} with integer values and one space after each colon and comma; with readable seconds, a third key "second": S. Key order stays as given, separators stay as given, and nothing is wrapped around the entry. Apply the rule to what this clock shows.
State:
{"hour": 2, "minute": 37}
